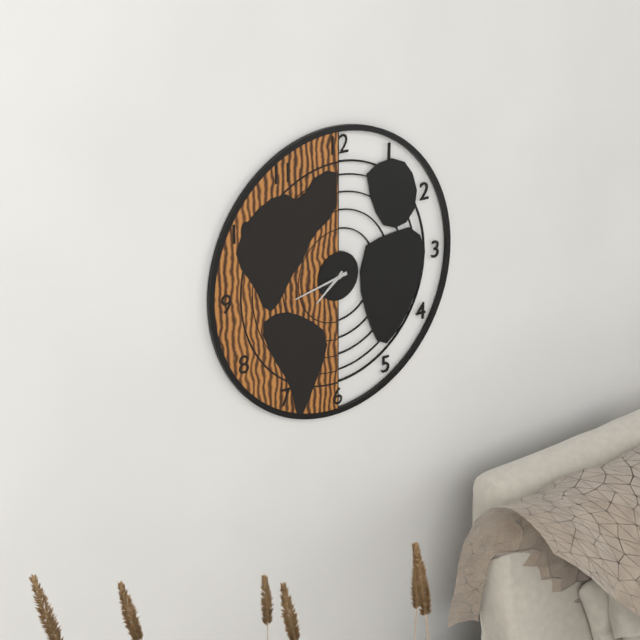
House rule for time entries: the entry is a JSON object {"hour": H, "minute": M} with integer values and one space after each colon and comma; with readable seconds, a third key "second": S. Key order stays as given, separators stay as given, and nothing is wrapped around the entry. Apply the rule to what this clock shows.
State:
{"hour": 7, "minute": 43}
